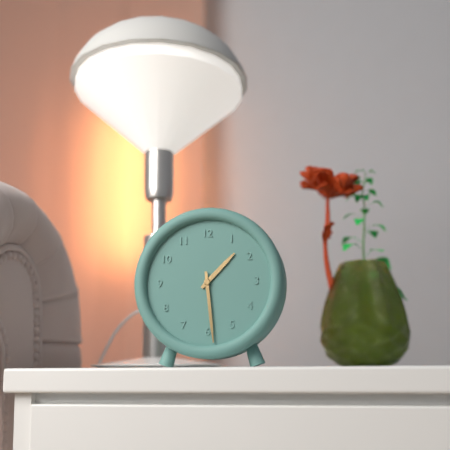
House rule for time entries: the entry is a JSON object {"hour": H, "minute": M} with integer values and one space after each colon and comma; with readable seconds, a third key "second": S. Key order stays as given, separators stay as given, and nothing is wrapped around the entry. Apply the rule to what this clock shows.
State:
{"hour": 1, "minute": 29}
